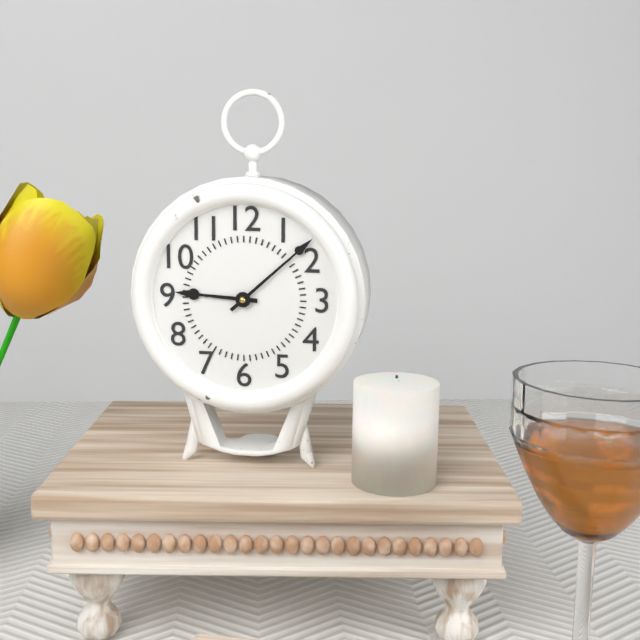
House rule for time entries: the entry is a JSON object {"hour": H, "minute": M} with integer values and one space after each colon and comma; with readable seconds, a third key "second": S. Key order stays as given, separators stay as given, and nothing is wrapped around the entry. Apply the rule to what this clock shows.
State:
{"hour": 9, "minute": 8}
